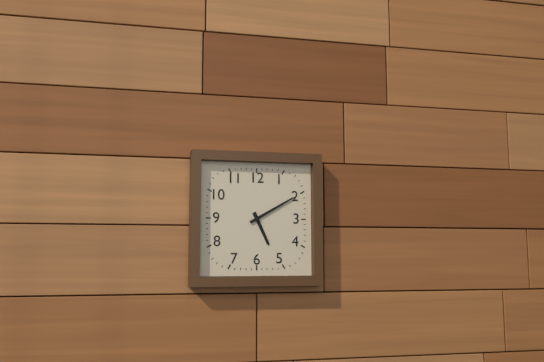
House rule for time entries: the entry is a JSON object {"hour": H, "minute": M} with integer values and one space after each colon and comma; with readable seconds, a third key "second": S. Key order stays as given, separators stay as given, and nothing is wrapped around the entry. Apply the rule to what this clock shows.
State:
{"hour": 5, "minute": 10}
